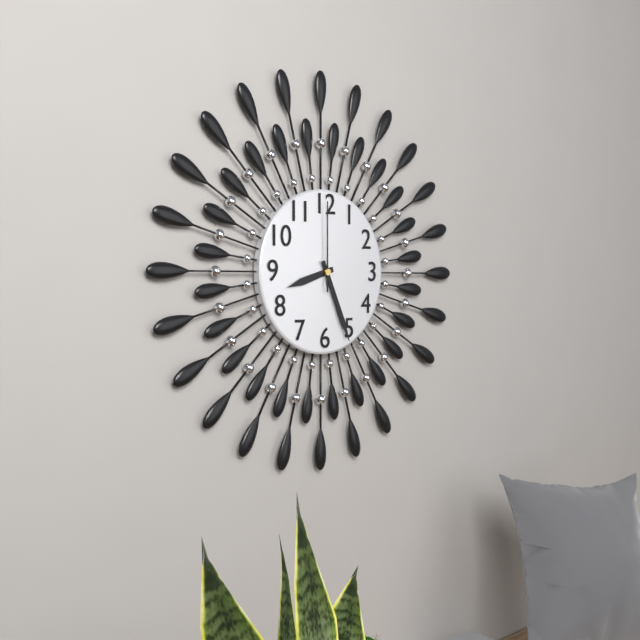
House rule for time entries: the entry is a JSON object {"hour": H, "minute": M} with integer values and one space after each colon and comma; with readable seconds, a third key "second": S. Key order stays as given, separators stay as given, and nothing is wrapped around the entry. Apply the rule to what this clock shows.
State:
{"hour": 8, "minute": 26, "second": 0}
